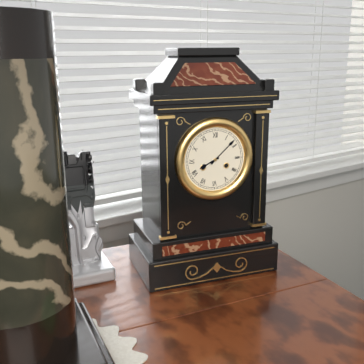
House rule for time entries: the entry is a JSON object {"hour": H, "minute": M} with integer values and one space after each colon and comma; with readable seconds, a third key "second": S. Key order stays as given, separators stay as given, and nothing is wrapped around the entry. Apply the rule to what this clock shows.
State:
{"hour": 8, "minute": 8}
